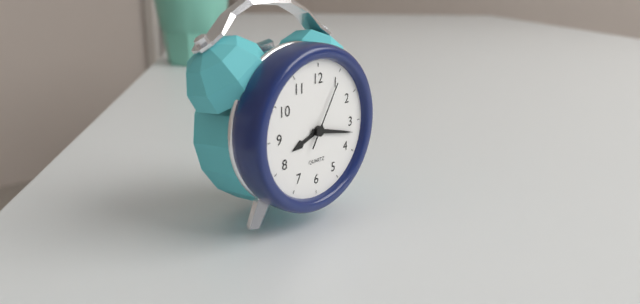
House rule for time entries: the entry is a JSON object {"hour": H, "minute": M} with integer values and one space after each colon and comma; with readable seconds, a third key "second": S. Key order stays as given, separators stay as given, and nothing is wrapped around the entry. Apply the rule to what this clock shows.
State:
{"hour": 8, "minute": 17, "second": 5}
